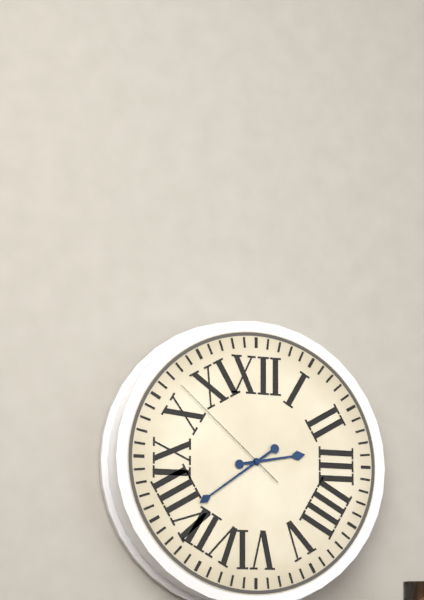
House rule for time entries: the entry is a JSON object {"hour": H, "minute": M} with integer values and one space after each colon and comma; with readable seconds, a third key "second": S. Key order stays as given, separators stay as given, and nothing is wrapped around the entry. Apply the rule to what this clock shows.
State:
{"hour": 2, "minute": 39, "second": 52}
